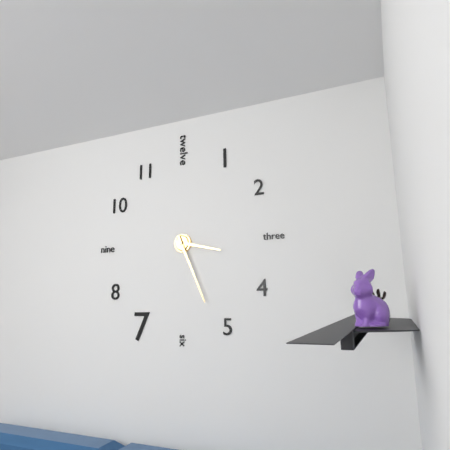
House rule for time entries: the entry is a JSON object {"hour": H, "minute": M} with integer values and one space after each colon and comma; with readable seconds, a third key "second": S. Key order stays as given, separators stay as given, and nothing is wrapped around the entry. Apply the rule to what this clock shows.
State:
{"hour": 3, "minute": 26}
